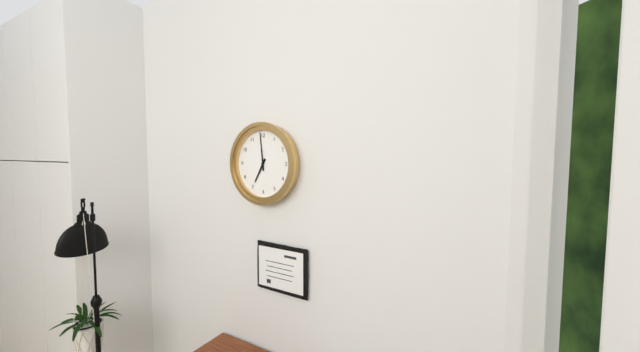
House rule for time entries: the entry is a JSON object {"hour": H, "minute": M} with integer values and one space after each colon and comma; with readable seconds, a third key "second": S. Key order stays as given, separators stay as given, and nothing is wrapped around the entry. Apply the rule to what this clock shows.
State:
{"hour": 6, "minute": 59}
